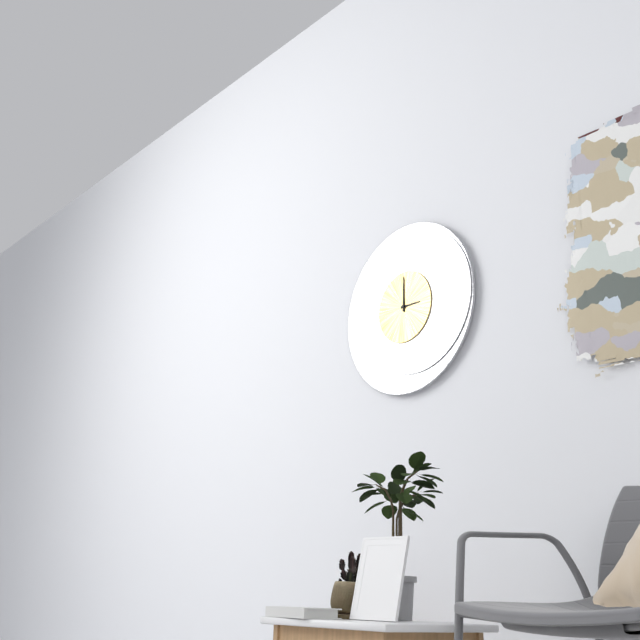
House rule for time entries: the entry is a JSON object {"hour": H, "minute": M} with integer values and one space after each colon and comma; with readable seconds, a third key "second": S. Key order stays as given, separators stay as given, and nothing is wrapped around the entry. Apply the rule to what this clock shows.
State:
{"hour": 3, "minute": 0}
